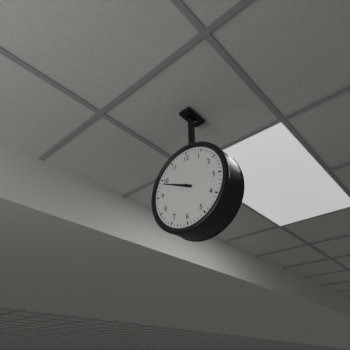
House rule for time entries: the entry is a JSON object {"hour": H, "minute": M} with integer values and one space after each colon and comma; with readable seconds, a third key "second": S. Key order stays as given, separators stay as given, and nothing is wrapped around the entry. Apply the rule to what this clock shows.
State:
{"hour": 9, "minute": 49}
